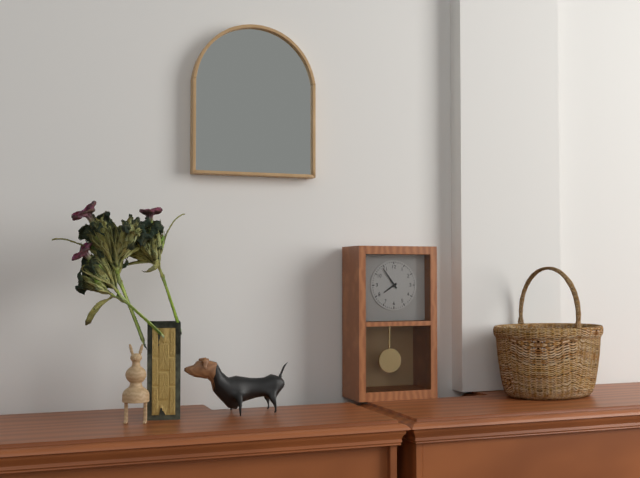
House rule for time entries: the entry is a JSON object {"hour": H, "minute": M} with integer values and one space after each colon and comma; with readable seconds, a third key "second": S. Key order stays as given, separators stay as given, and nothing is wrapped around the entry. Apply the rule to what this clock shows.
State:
{"hour": 7, "minute": 54}
